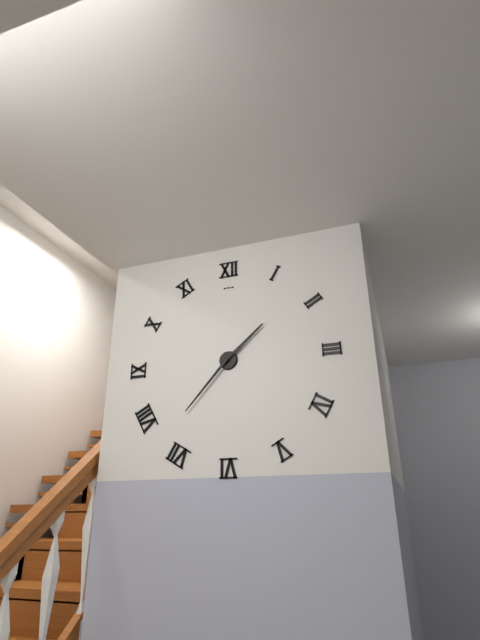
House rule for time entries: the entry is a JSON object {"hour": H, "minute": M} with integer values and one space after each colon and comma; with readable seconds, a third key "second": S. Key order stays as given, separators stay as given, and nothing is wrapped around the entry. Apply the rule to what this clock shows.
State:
{"hour": 1, "minute": 37}
